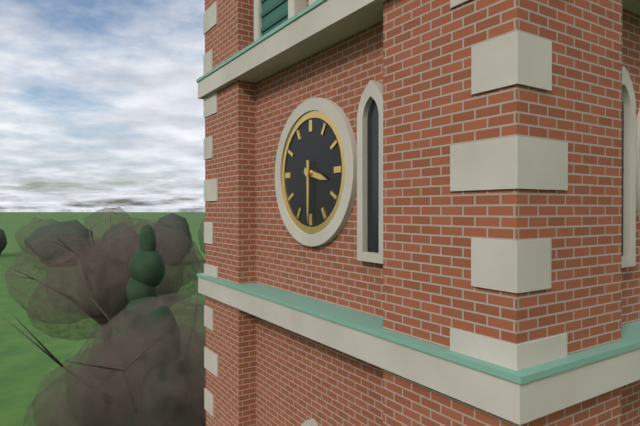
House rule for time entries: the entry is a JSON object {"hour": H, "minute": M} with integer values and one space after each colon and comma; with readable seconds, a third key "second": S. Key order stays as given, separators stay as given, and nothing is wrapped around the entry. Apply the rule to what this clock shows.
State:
{"hour": 3, "minute": 30}
